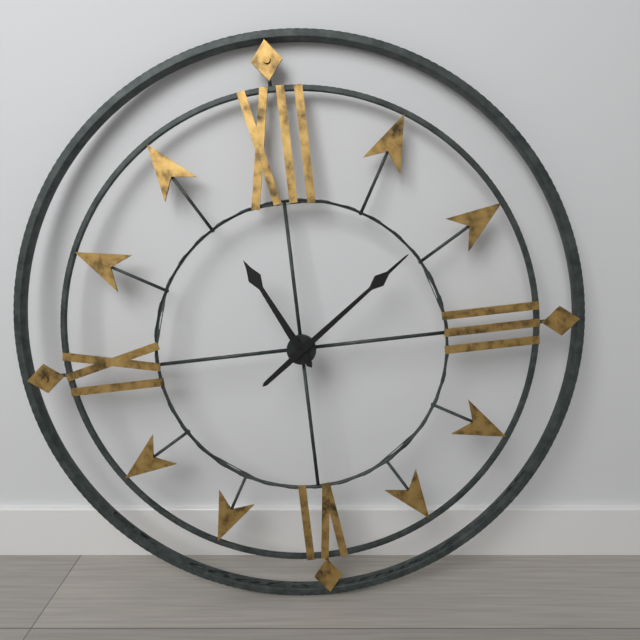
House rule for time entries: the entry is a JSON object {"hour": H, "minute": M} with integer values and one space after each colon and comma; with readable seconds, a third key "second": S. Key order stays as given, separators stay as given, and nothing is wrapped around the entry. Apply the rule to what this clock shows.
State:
{"hour": 11, "minute": 9}
